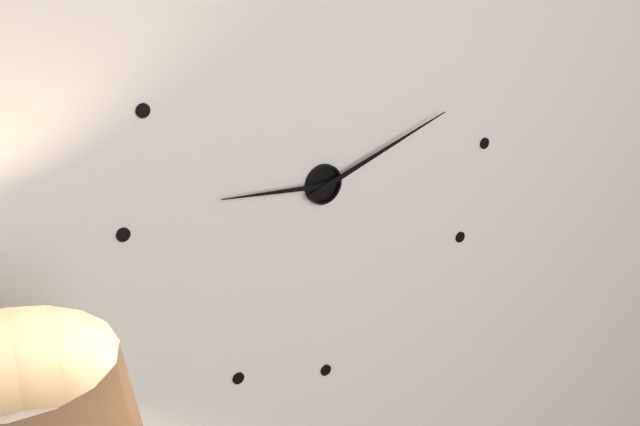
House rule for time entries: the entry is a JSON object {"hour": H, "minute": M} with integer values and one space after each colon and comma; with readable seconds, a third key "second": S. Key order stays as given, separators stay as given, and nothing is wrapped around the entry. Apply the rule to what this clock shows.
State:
{"hour": 9, "minute": 12}
